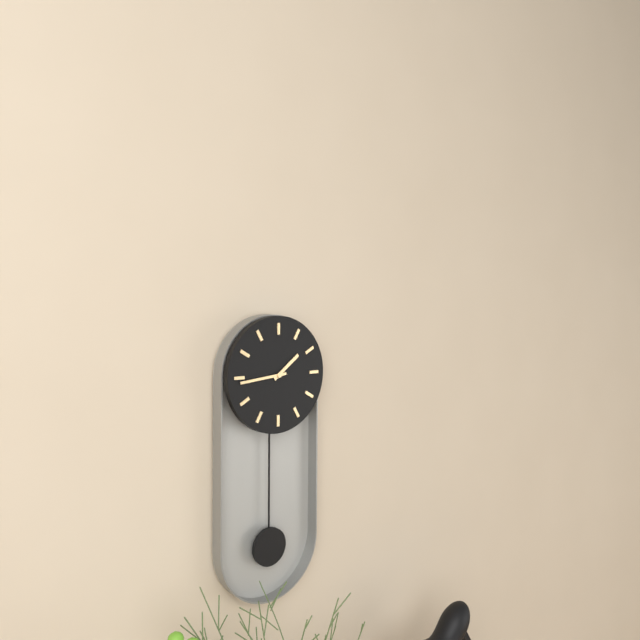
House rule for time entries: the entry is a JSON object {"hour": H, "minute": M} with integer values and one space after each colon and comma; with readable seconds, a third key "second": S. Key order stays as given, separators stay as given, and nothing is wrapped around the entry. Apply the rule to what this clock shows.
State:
{"hour": 1, "minute": 44}
